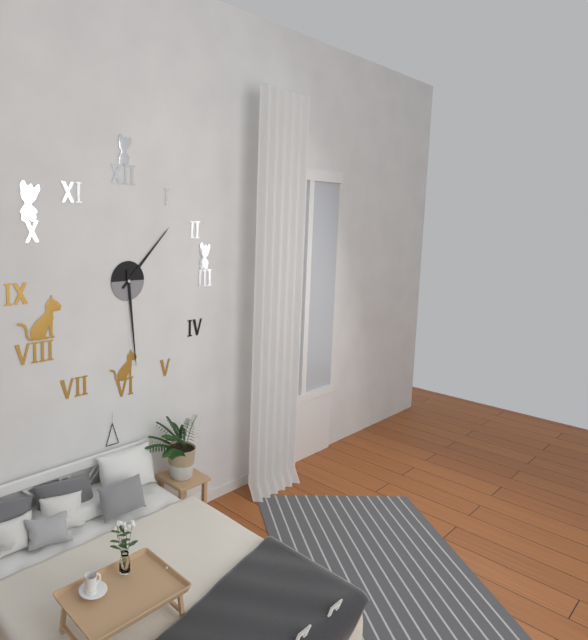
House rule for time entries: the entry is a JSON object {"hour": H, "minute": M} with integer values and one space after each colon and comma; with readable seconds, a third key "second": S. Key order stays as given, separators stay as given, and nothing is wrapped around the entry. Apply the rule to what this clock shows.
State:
{"hour": 1, "minute": 29}
